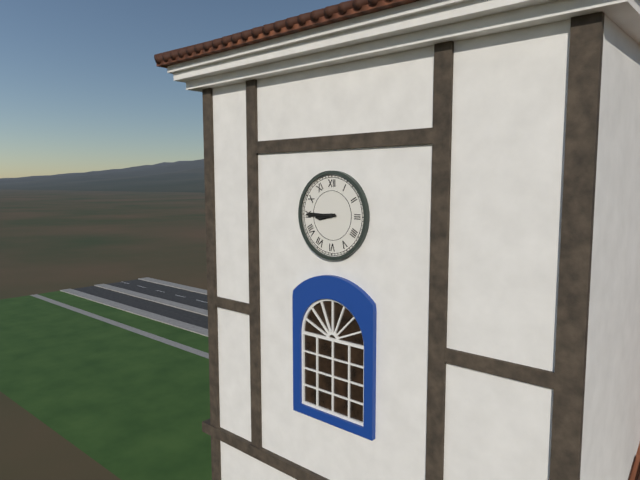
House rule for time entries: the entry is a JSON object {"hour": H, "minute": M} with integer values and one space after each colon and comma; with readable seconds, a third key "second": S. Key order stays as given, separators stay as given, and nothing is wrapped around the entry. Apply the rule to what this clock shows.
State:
{"hour": 8, "minute": 45}
